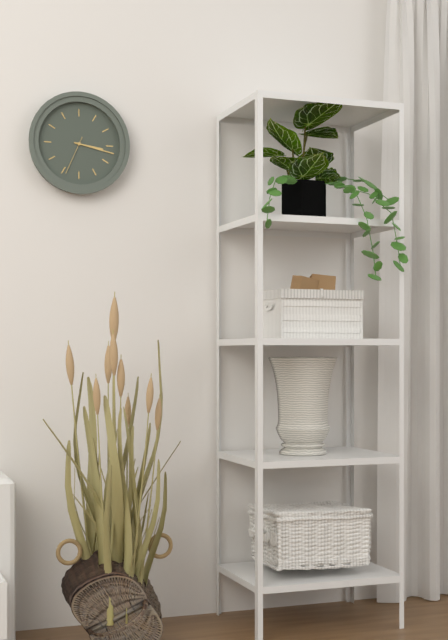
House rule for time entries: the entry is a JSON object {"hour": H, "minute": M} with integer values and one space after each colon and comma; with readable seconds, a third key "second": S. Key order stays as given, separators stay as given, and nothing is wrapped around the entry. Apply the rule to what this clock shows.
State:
{"hour": 3, "minute": 17}
